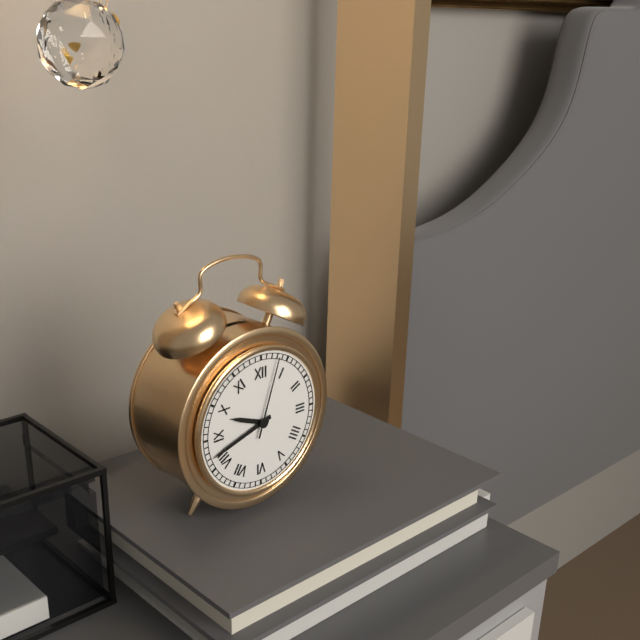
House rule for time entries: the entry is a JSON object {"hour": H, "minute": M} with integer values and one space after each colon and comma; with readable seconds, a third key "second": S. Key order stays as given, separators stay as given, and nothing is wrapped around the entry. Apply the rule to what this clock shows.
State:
{"hour": 9, "minute": 42, "second": 3}
